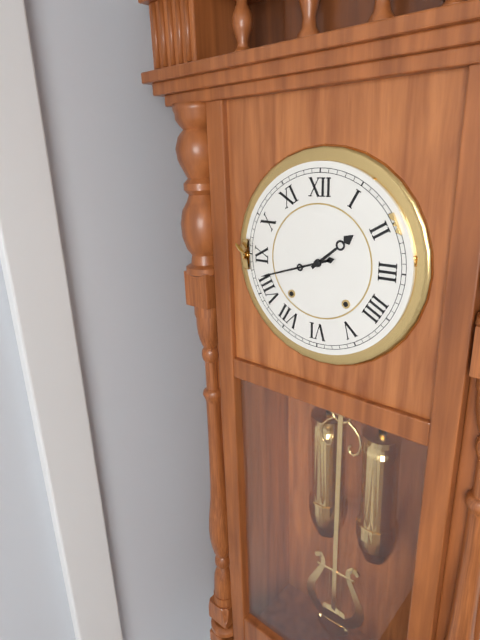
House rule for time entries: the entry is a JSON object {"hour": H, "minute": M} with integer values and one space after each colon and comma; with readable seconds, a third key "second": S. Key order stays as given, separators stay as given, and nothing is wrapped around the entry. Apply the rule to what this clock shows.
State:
{"hour": 1, "minute": 42}
